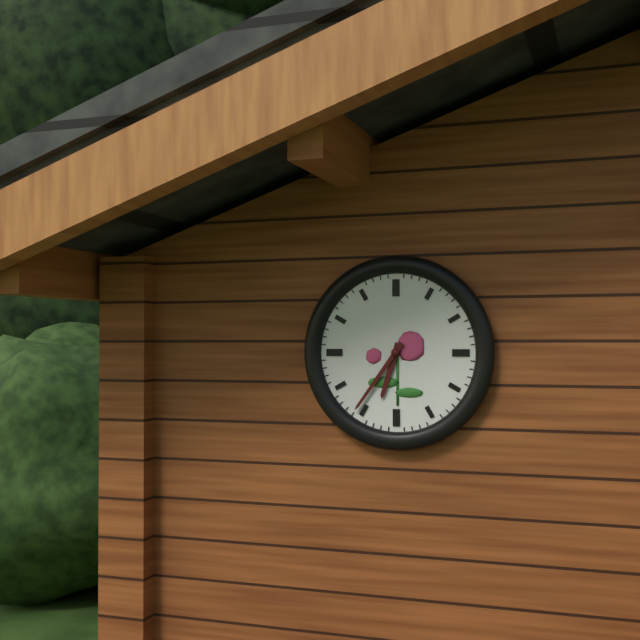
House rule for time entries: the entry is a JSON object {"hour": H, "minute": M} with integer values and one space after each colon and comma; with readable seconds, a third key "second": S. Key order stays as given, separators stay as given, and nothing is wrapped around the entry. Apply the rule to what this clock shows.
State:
{"hour": 6, "minute": 36}
